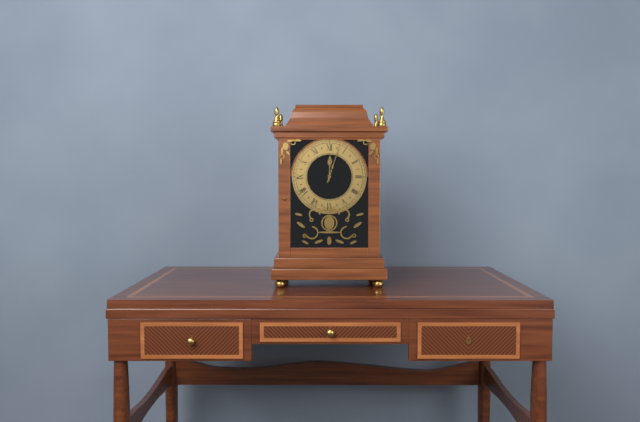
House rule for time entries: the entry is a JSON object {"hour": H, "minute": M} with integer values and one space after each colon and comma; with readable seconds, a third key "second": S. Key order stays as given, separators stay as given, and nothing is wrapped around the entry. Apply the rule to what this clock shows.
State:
{"hour": 12, "minute": 3}
